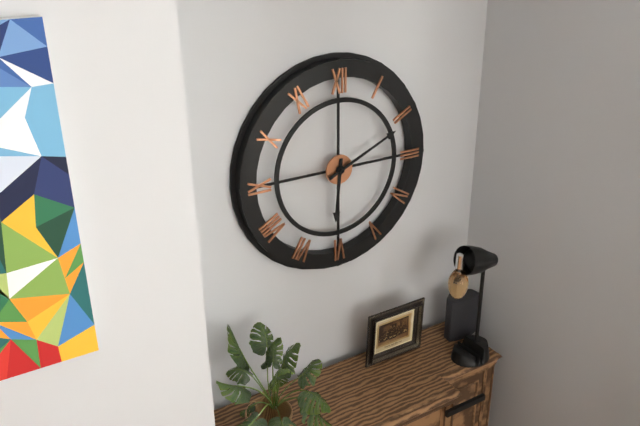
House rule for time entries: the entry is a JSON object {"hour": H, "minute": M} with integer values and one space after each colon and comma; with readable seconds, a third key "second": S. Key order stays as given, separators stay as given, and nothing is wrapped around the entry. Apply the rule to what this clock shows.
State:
{"hour": 6, "minute": 11}
